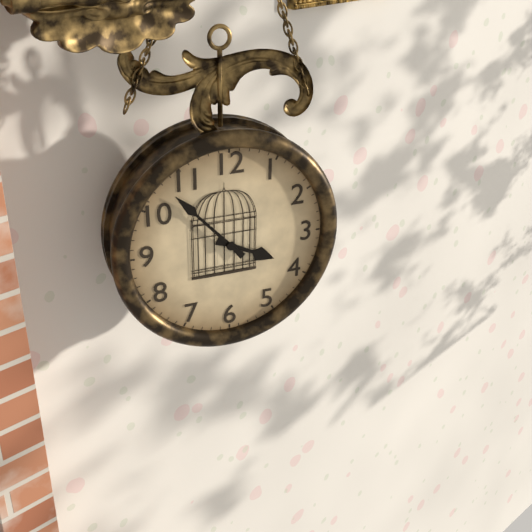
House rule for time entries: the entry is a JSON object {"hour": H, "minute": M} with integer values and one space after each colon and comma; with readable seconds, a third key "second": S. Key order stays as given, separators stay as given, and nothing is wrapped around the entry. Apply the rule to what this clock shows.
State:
{"hour": 3, "minute": 53}
